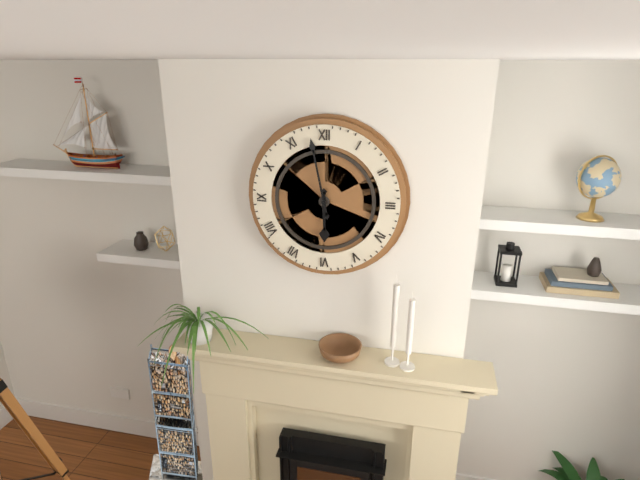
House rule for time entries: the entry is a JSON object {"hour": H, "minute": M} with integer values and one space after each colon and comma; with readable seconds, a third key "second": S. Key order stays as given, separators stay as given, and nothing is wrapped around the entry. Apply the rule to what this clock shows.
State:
{"hour": 5, "minute": 58}
